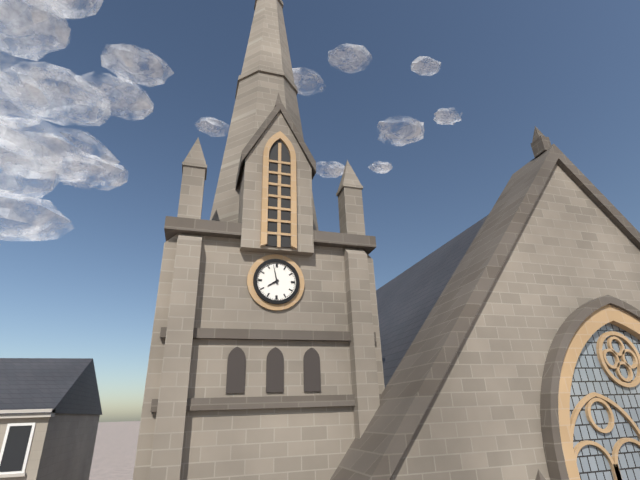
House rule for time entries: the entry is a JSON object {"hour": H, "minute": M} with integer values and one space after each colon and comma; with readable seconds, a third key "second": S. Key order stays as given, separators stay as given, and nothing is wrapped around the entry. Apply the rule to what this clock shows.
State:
{"hour": 7, "minute": 58}
